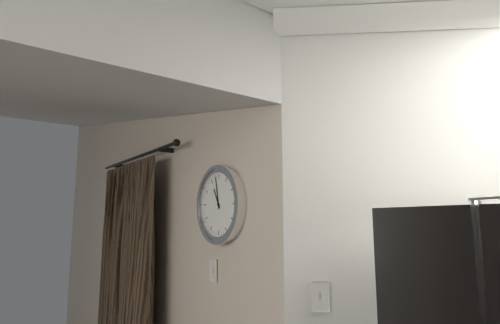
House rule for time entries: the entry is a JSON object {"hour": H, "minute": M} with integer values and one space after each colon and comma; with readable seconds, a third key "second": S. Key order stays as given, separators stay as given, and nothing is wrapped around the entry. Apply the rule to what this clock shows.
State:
{"hour": 10, "minute": 58}
